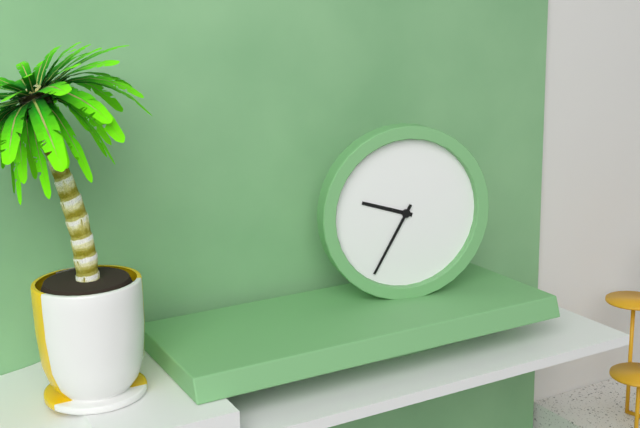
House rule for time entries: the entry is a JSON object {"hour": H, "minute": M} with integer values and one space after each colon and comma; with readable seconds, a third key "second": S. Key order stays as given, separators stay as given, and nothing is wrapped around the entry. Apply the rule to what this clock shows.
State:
{"hour": 9, "minute": 35}
